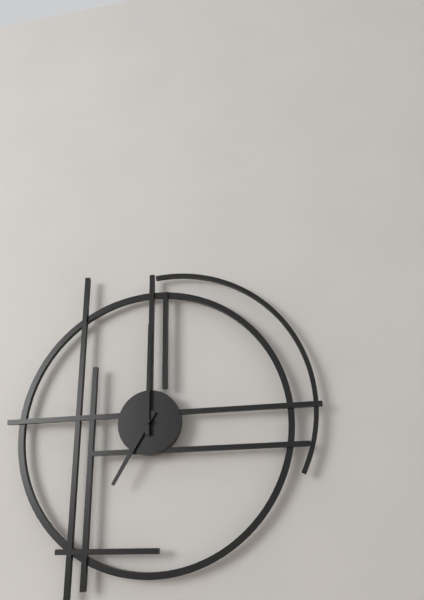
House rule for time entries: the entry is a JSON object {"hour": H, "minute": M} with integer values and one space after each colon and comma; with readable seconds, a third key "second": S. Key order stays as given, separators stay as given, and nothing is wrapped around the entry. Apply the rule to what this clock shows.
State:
{"hour": 7, "minute": 0}
